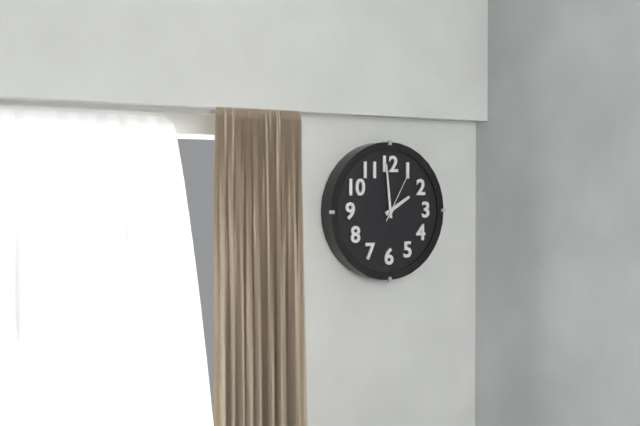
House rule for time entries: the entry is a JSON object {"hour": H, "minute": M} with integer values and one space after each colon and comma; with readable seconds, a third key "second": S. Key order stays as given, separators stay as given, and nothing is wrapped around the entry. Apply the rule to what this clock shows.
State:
{"hour": 1, "minute": 59, "second": 5}
